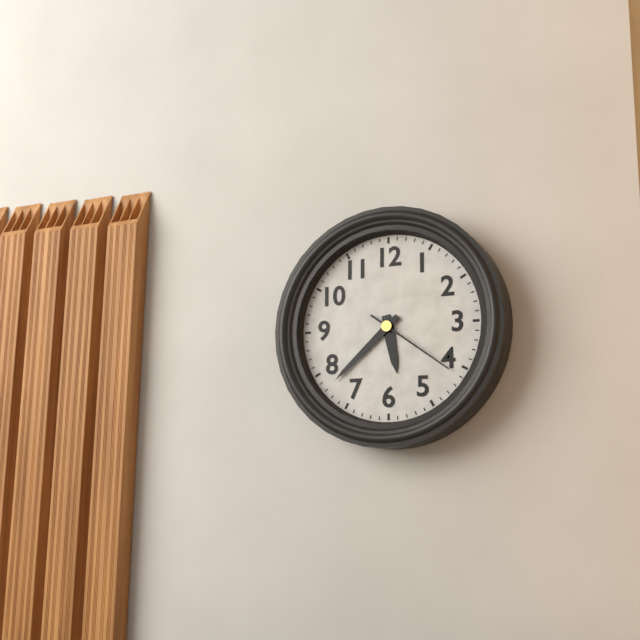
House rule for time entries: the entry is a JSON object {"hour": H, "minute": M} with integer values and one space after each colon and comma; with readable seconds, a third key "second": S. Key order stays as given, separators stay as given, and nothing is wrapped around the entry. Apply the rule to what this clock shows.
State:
{"hour": 5, "minute": 38, "second": 21}
